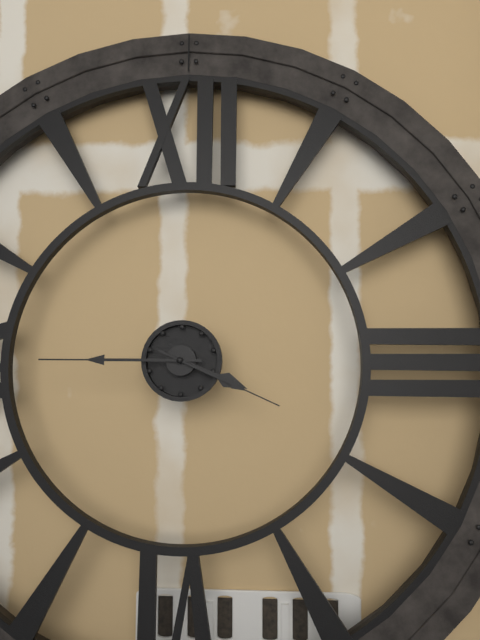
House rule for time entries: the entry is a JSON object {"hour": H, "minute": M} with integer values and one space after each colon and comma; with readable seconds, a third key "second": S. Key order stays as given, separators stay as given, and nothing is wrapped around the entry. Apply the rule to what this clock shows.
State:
{"hour": 3, "minute": 45, "second": 19}
